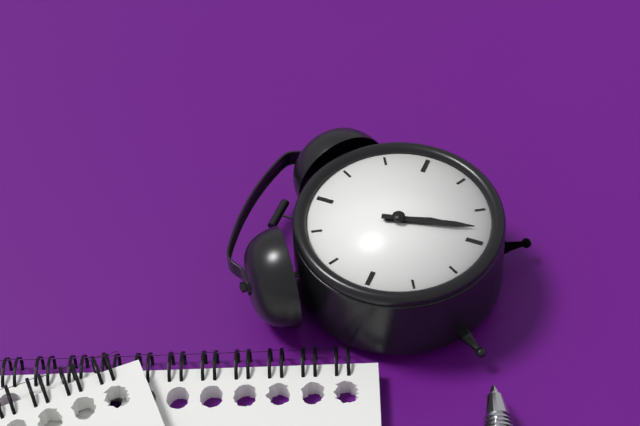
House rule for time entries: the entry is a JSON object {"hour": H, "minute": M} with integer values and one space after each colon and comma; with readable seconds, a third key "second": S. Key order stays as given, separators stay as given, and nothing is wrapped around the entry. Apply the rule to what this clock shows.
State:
{"hour": 5, "minute": 28}
